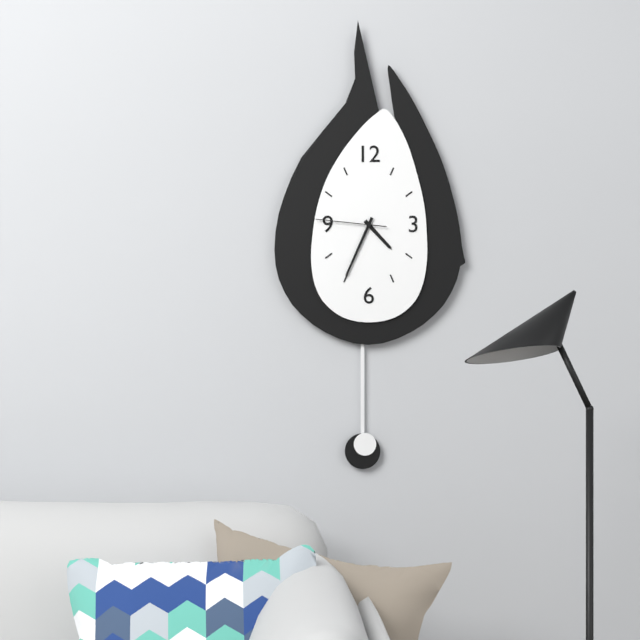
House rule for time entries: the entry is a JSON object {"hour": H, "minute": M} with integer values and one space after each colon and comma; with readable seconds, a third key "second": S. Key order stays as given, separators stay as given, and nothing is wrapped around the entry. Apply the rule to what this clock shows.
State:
{"hour": 4, "minute": 34, "second": 46}
